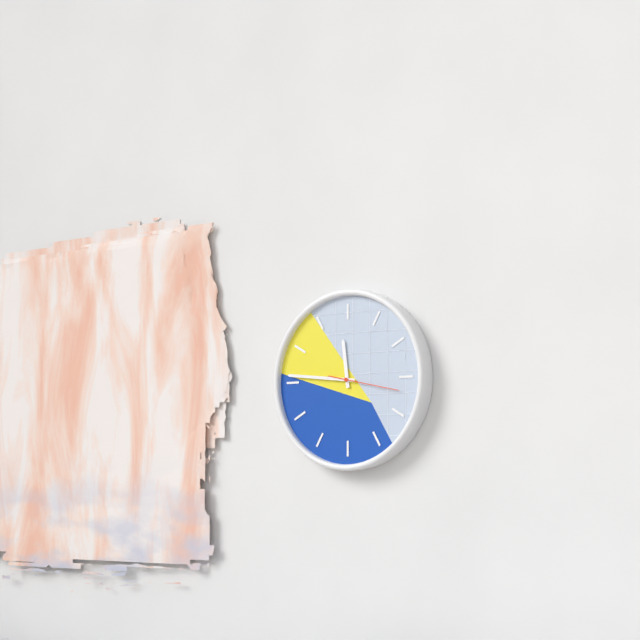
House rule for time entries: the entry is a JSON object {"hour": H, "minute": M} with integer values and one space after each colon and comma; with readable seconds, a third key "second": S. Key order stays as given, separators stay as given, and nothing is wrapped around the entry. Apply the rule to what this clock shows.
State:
{"hour": 11, "minute": 46, "second": 17}
